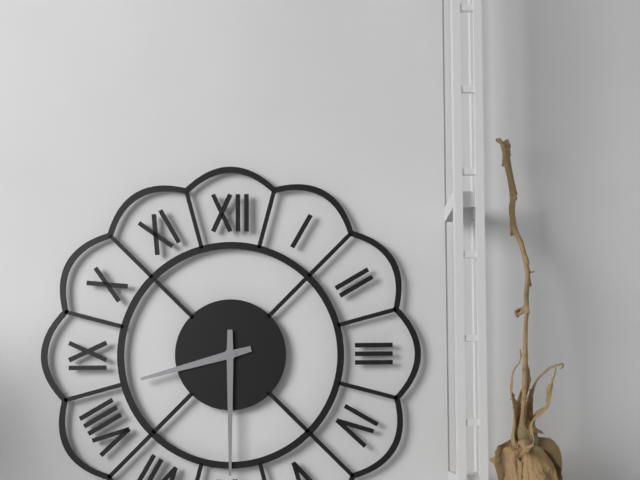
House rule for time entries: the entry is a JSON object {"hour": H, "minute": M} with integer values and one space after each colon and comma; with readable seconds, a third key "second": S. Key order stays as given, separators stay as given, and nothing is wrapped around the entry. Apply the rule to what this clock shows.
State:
{"hour": 8, "minute": 30}
